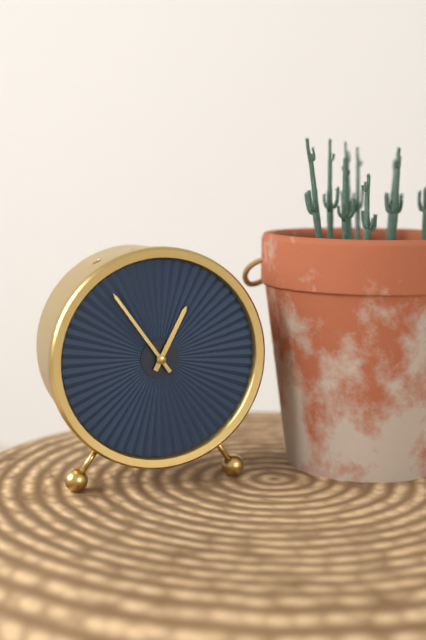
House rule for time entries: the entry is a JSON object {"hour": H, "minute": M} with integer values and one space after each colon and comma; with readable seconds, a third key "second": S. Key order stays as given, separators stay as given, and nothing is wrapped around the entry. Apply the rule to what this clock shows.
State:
{"hour": 12, "minute": 54}
